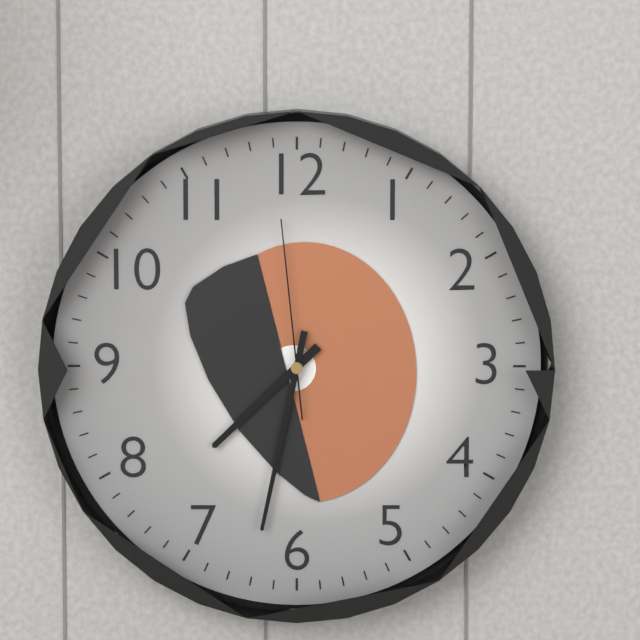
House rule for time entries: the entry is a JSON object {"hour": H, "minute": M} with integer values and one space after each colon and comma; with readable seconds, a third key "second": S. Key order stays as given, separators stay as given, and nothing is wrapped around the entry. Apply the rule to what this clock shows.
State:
{"hour": 7, "minute": 32, "second": 59}
